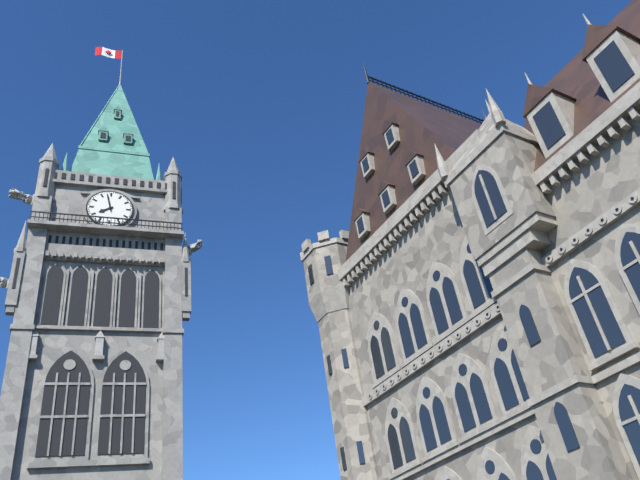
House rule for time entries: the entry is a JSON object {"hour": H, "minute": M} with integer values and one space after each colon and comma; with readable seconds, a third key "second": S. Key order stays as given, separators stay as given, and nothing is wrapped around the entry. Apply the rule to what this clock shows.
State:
{"hour": 7, "minute": 58}
